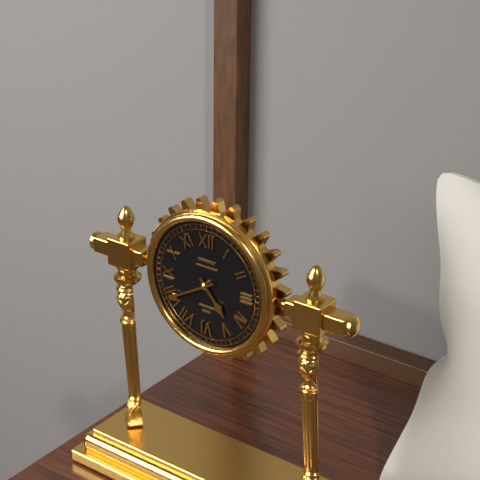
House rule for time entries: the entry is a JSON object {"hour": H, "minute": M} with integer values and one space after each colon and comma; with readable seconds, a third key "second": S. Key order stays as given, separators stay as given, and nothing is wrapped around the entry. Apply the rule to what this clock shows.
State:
{"hour": 4, "minute": 40}
